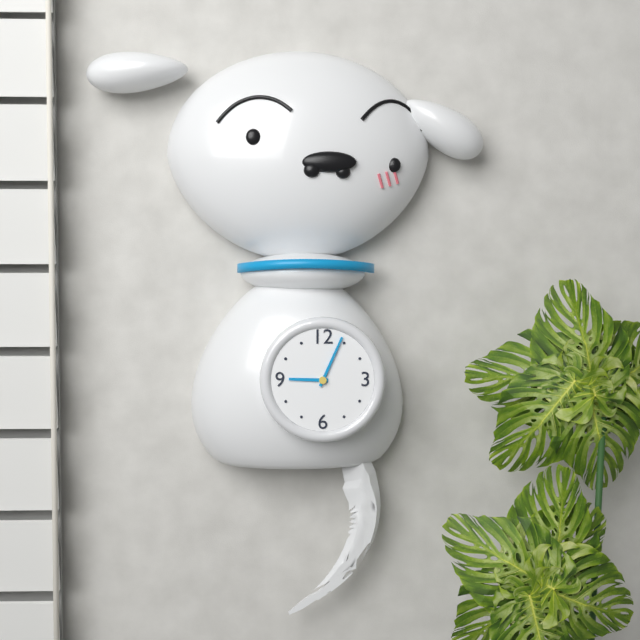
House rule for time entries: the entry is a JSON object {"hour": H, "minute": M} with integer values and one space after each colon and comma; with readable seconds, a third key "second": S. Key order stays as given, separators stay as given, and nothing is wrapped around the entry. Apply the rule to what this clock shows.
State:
{"hour": 9, "minute": 4}
